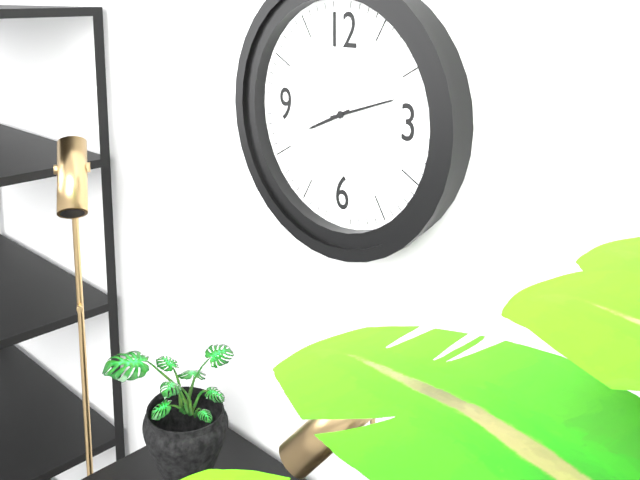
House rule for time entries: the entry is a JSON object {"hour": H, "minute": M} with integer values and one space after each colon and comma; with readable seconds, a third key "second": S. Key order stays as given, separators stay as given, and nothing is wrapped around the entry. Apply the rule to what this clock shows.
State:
{"hour": 8, "minute": 12}
